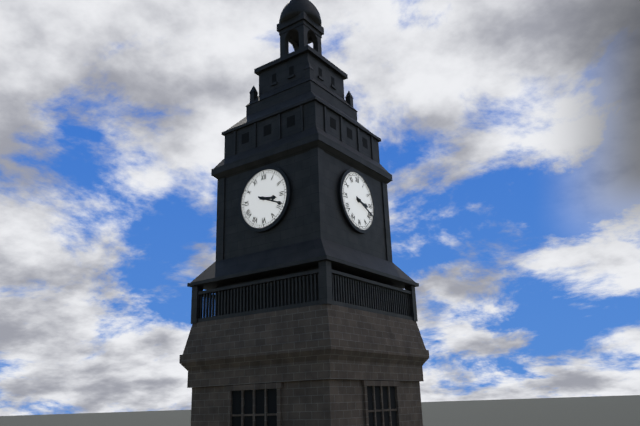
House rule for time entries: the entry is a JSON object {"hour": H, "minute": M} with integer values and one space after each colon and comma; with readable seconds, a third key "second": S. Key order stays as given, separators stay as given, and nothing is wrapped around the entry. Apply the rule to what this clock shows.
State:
{"hour": 3, "minute": 19}
